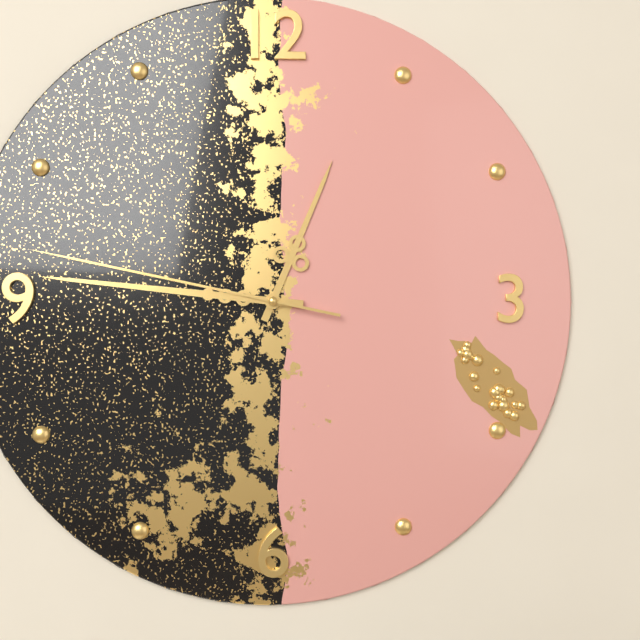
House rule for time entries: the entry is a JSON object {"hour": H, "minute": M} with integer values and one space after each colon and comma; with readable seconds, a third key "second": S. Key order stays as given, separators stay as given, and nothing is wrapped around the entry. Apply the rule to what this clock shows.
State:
{"hour": 12, "minute": 46, "second": 47}
